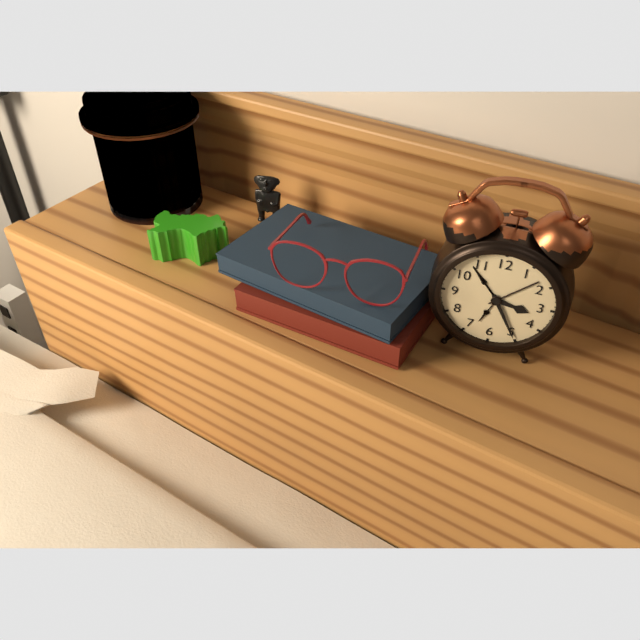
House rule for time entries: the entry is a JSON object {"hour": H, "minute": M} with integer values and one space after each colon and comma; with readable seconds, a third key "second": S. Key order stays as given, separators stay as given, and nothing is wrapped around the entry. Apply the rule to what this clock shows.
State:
{"hour": 3, "minute": 25}
